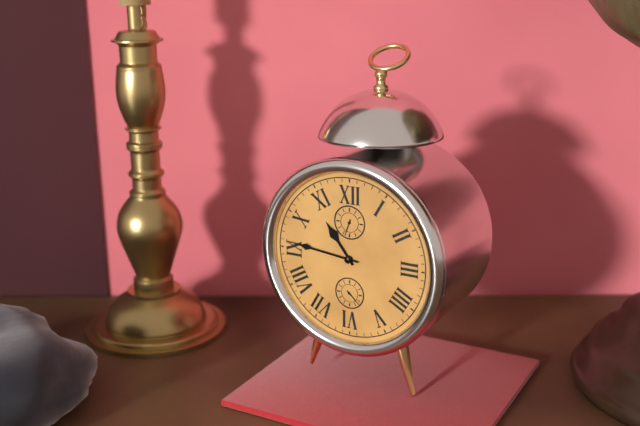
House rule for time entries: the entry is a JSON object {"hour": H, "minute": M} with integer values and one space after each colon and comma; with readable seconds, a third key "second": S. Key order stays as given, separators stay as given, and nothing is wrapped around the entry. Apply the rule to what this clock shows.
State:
{"hour": 10, "minute": 46}
